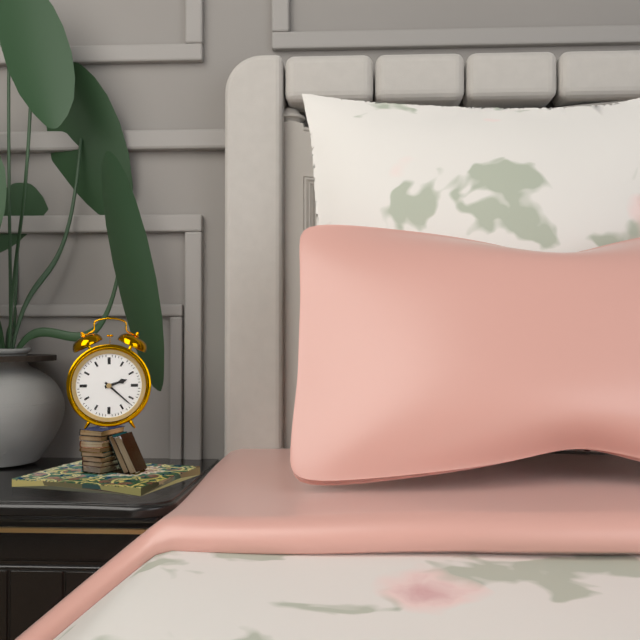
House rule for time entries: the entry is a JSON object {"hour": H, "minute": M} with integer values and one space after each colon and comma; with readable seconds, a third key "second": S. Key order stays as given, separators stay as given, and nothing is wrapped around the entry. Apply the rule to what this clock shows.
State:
{"hour": 2, "minute": 22}
